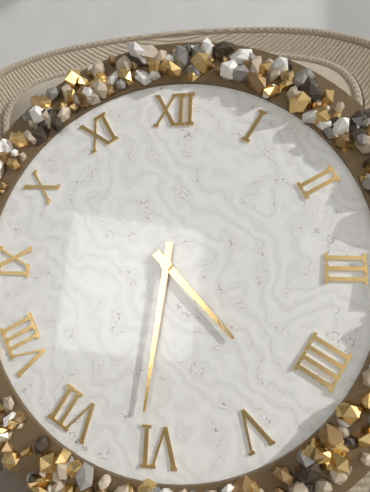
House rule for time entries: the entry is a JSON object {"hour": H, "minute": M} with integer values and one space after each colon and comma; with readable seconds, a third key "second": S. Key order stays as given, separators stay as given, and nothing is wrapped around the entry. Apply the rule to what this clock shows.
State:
{"hour": 4, "minute": 31}
